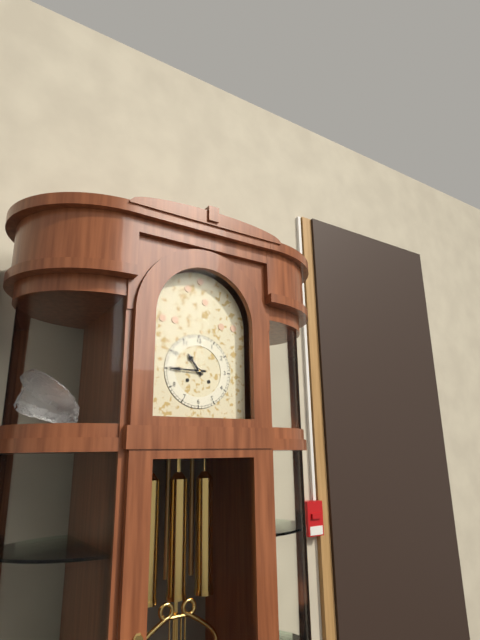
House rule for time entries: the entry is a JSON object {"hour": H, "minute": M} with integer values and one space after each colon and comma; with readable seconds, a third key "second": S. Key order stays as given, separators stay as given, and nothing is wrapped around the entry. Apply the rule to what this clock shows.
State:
{"hour": 10, "minute": 45}
